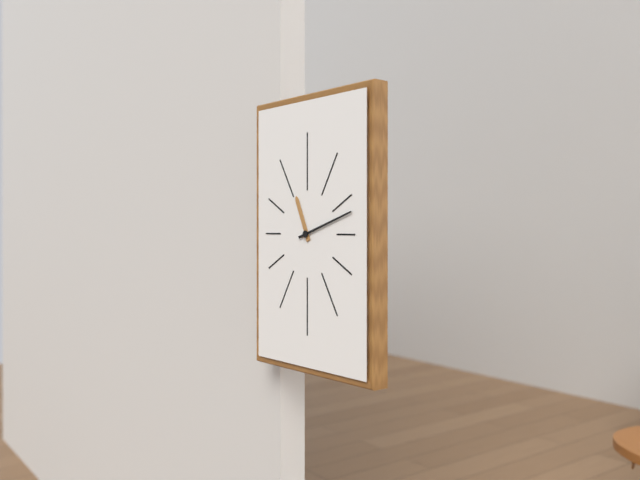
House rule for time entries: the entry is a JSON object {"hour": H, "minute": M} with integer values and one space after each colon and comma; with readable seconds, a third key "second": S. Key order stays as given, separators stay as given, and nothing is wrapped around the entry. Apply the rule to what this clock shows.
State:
{"hour": 11, "minute": 12}
